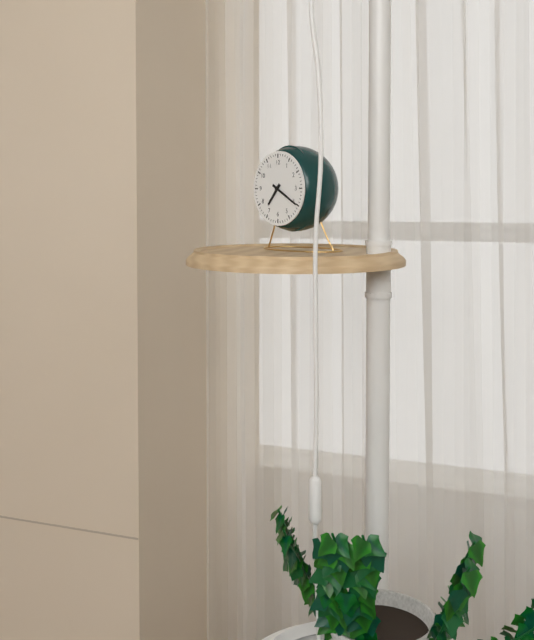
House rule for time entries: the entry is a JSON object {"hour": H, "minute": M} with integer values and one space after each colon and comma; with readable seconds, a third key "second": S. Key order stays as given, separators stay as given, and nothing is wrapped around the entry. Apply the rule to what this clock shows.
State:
{"hour": 7, "minute": 20}
